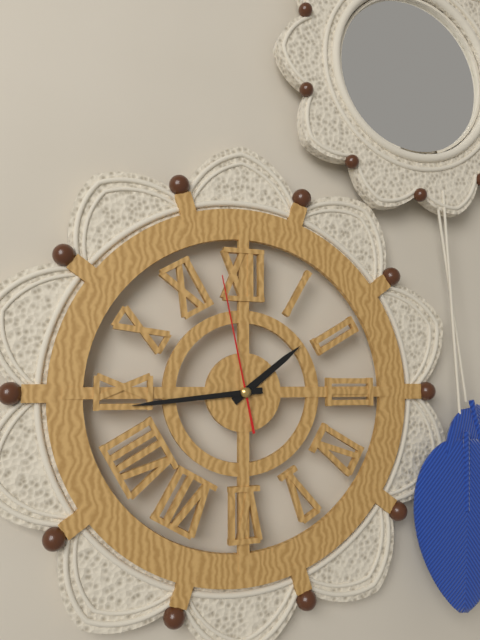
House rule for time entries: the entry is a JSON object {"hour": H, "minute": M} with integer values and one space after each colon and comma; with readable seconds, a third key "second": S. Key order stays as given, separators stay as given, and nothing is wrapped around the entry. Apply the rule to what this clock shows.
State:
{"hour": 1, "minute": 44, "second": 58}
